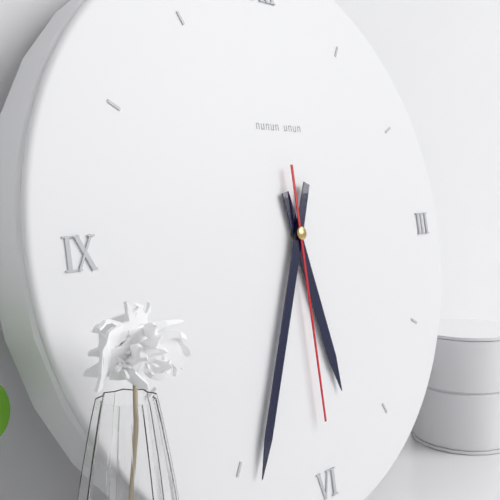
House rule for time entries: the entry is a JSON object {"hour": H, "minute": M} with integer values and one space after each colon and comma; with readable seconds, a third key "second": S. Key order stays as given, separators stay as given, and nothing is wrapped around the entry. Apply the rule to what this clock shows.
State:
{"hour": 5, "minute": 34, "second": 30}
